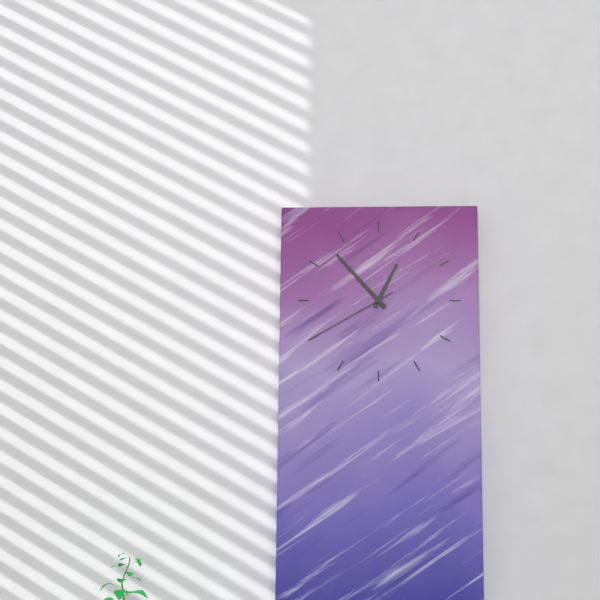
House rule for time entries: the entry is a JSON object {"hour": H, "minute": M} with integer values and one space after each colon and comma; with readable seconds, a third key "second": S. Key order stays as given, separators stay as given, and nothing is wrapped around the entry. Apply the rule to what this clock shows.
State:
{"hour": 12, "minute": 53, "second": 40}
